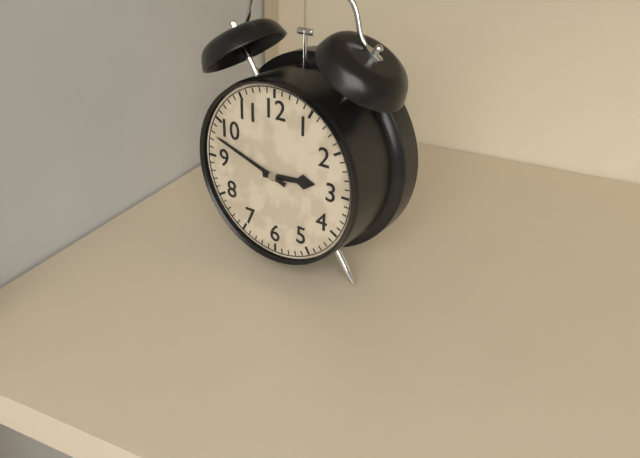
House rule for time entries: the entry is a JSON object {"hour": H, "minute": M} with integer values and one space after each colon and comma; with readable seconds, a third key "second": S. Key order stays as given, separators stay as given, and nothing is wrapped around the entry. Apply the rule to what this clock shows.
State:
{"hour": 2, "minute": 48}
